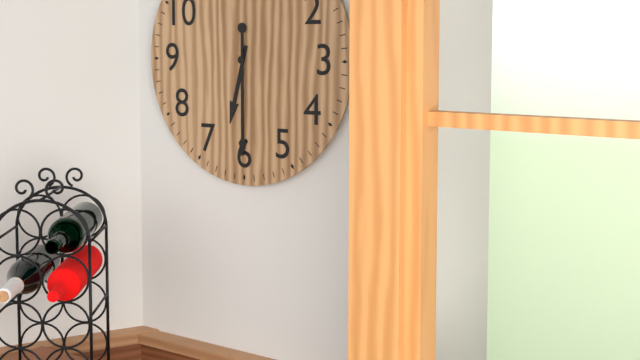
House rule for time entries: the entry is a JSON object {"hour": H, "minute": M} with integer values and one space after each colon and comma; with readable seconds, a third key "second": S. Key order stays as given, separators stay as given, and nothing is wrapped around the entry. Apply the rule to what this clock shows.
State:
{"hour": 6, "minute": 30}
